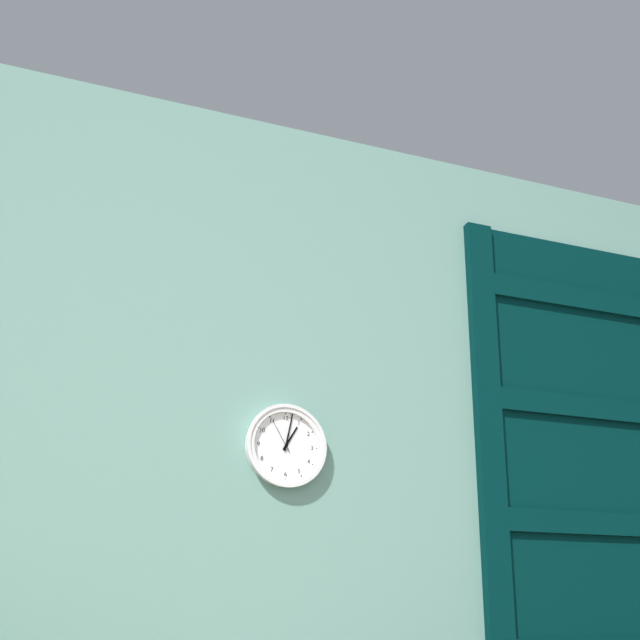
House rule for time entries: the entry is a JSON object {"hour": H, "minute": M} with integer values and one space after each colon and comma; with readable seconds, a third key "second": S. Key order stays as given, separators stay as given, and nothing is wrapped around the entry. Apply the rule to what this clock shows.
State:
{"hour": 1, "minute": 2}
